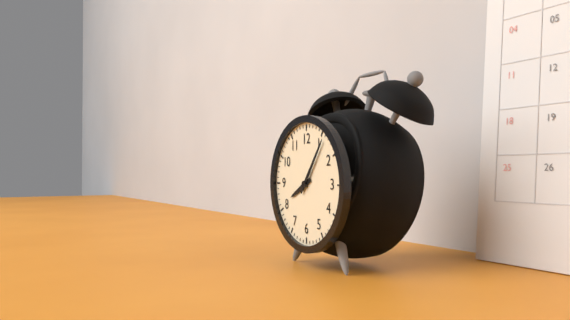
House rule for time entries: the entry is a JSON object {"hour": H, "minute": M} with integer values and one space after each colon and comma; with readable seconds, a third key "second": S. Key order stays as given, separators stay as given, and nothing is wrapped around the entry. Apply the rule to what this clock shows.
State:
{"hour": 8, "minute": 6}
